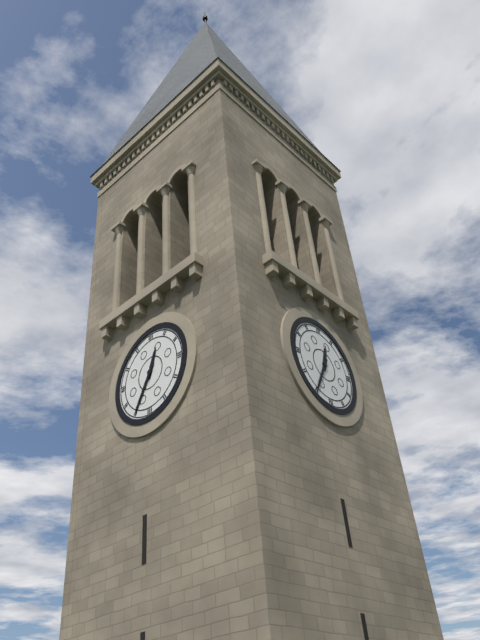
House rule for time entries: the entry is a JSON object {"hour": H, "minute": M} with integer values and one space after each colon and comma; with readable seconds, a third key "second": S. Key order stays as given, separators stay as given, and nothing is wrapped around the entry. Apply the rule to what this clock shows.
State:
{"hour": 12, "minute": 35}
